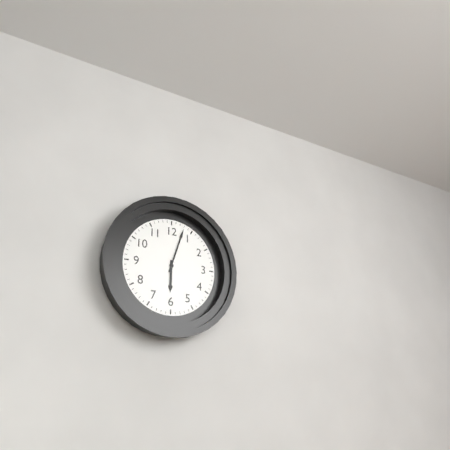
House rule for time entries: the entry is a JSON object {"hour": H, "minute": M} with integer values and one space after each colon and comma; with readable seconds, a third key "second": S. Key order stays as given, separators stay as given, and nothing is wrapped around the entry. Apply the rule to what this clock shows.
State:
{"hour": 6, "minute": 3}
